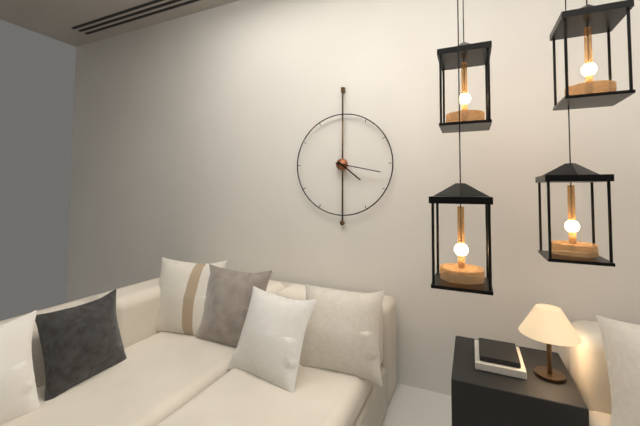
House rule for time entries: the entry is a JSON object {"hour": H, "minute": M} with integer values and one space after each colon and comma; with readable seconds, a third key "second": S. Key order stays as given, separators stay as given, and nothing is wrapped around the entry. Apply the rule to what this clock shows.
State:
{"hour": 4, "minute": 17}
